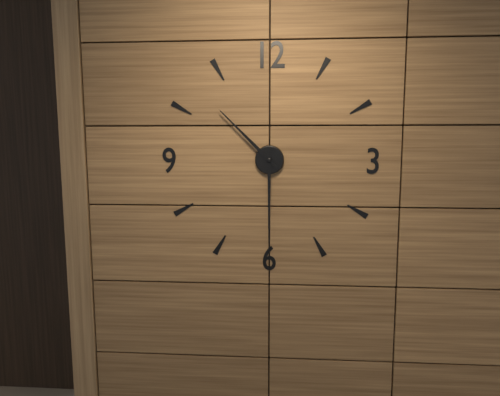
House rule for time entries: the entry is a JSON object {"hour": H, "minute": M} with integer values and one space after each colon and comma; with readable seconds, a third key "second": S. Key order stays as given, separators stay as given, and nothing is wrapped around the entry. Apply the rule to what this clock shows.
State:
{"hour": 10, "minute": 30}
